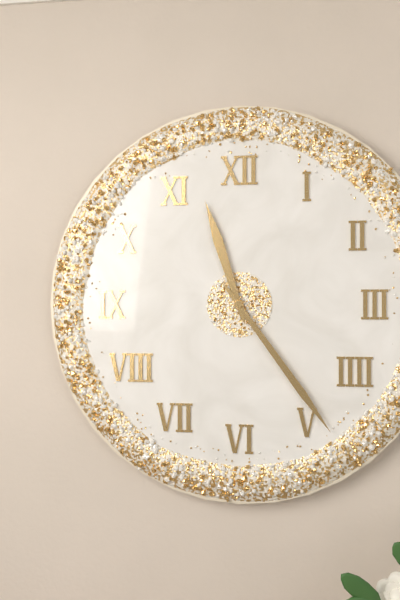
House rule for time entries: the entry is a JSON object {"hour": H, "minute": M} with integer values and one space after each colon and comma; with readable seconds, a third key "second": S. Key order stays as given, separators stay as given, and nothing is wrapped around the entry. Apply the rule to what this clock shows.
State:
{"hour": 11, "minute": 24}
